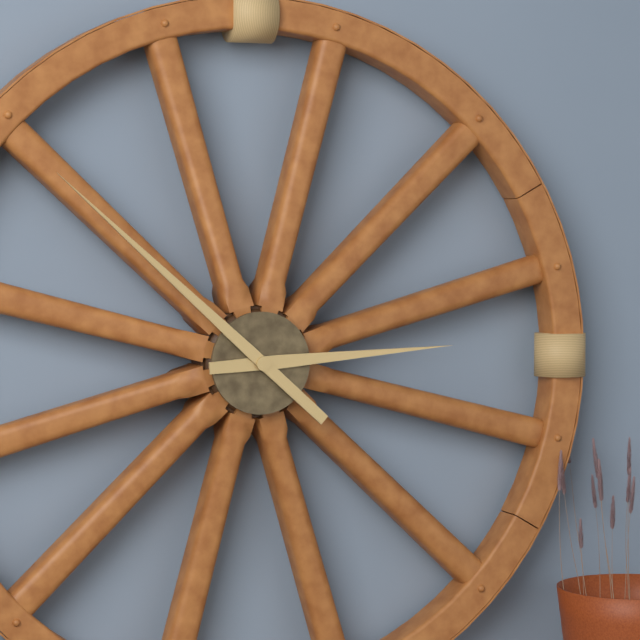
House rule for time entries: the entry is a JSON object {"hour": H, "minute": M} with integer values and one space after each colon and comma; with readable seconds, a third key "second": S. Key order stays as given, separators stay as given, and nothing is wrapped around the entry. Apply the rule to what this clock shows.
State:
{"hour": 2, "minute": 52}
